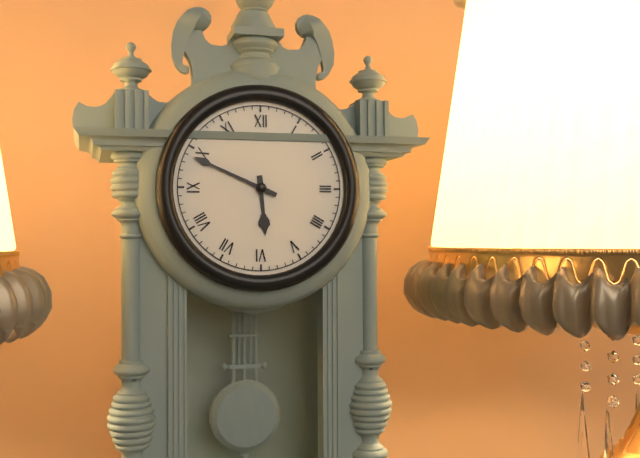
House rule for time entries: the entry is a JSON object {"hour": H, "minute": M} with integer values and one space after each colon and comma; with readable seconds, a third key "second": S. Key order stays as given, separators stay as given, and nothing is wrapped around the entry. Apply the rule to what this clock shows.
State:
{"hour": 5, "minute": 49}
